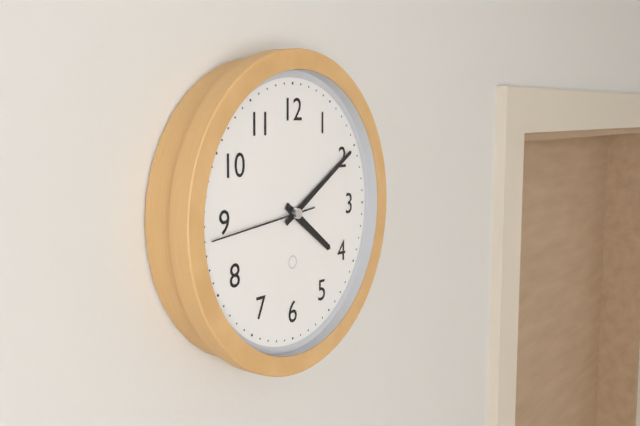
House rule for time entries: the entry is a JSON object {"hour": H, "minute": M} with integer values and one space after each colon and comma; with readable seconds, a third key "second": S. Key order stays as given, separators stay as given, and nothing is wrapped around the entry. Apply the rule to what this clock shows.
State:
{"hour": 4, "minute": 10, "second": 44}
